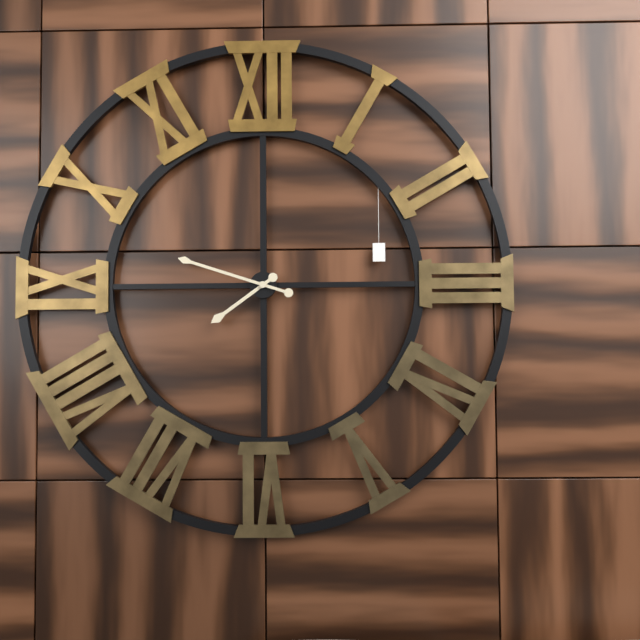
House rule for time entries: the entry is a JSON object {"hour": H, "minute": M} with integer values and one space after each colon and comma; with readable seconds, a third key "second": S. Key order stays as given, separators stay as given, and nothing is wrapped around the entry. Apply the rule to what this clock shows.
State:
{"hour": 7, "minute": 48}
